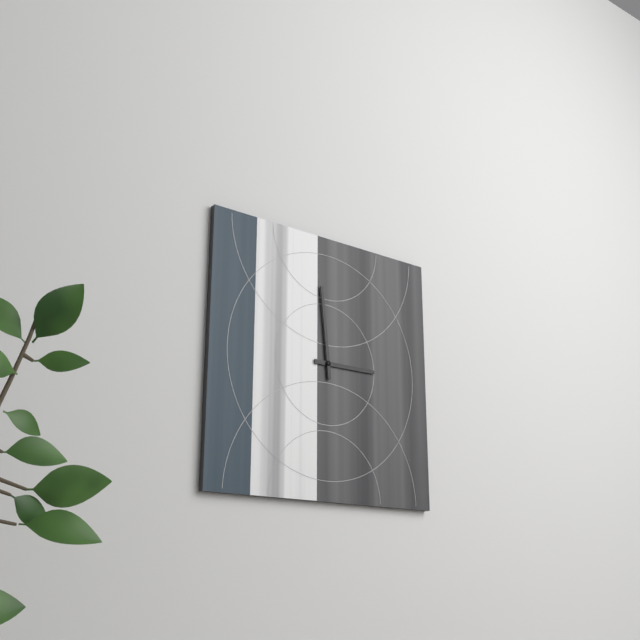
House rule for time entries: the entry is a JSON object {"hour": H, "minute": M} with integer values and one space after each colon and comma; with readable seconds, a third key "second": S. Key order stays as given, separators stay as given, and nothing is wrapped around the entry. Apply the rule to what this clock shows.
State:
{"hour": 2, "minute": 59}
